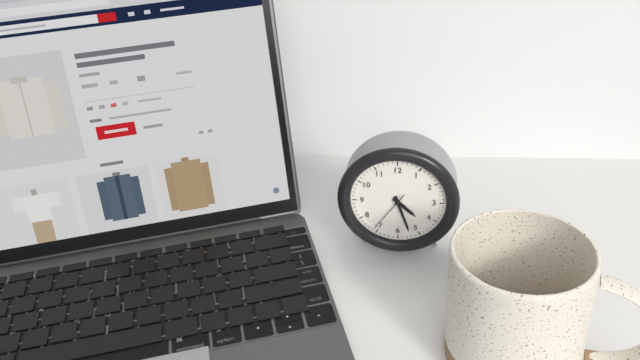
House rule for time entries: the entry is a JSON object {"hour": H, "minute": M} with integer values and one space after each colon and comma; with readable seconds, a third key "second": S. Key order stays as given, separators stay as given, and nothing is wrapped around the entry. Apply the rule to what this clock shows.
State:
{"hour": 4, "minute": 27}
